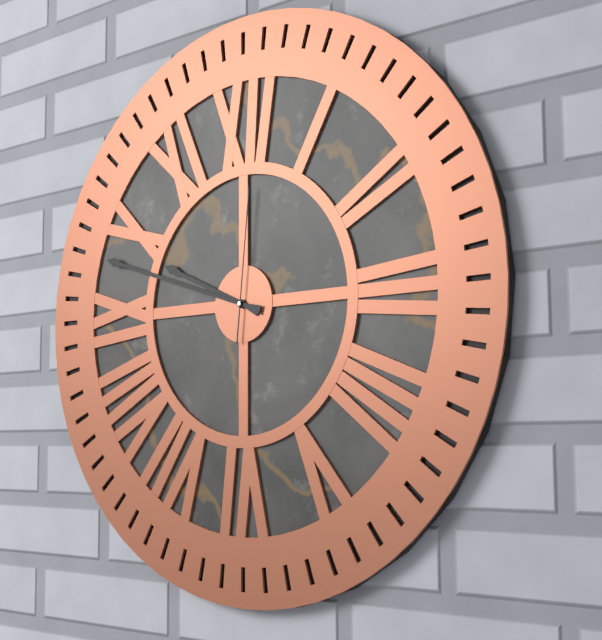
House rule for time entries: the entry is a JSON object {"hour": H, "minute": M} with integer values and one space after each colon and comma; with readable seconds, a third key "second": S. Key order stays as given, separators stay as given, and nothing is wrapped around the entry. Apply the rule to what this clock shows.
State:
{"hour": 9, "minute": 48, "second": 1}
